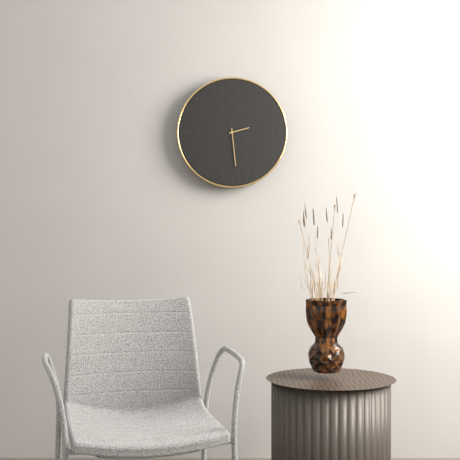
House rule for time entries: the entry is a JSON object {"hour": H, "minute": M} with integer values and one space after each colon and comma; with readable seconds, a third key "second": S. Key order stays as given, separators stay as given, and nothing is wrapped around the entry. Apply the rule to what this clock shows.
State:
{"hour": 2, "minute": 29}
